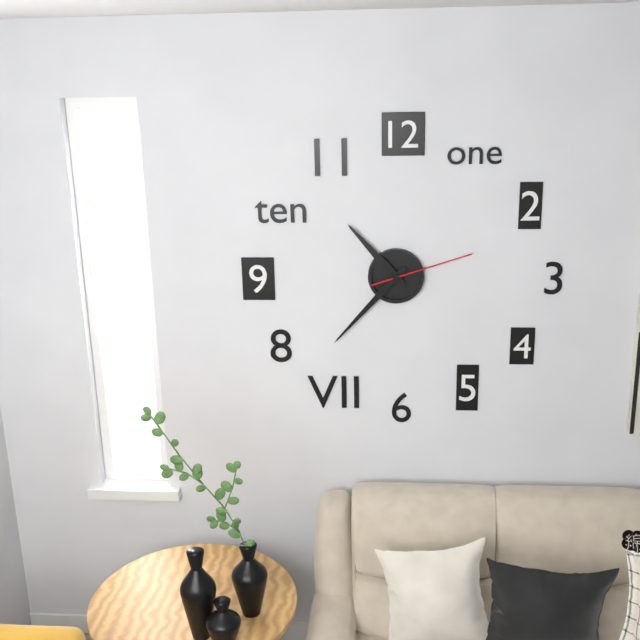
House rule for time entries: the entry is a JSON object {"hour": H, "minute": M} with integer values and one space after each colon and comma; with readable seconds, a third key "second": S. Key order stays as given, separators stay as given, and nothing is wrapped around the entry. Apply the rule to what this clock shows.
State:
{"hour": 10, "minute": 37, "second": 12}
